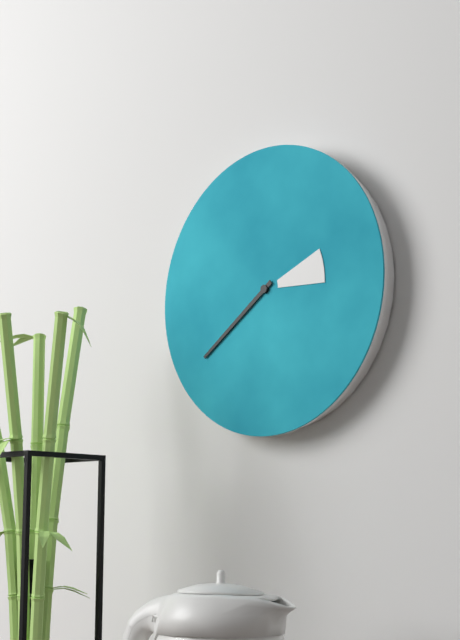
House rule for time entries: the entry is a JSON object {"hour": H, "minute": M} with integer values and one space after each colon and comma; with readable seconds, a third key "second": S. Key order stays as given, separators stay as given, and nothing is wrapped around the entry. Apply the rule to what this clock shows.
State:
{"hour": 2, "minute": 39}
